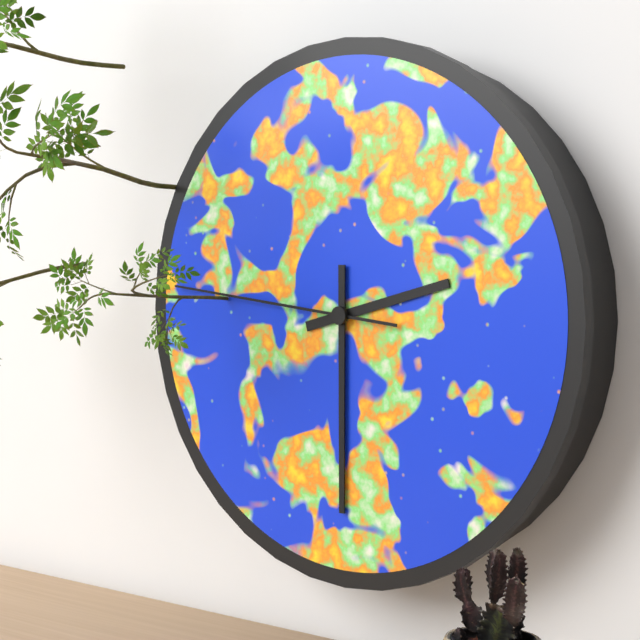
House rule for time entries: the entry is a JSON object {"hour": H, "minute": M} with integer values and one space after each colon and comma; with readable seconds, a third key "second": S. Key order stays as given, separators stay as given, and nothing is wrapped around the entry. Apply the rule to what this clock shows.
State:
{"hour": 2, "minute": 30, "second": 46}
